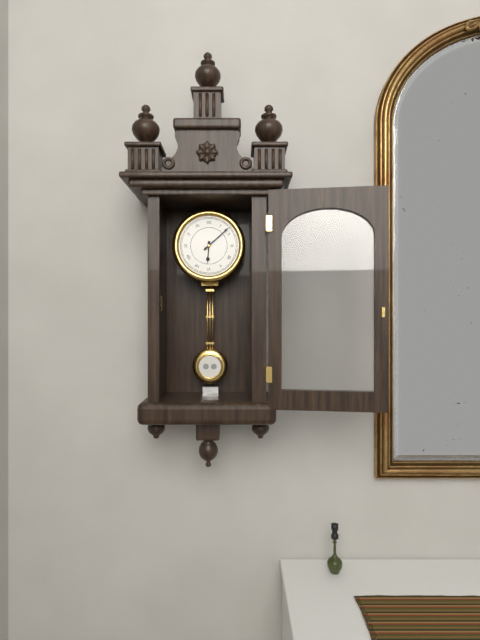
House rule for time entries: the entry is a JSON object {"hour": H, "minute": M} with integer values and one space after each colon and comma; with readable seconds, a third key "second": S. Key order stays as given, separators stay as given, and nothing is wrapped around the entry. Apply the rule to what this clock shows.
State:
{"hour": 6, "minute": 8}
